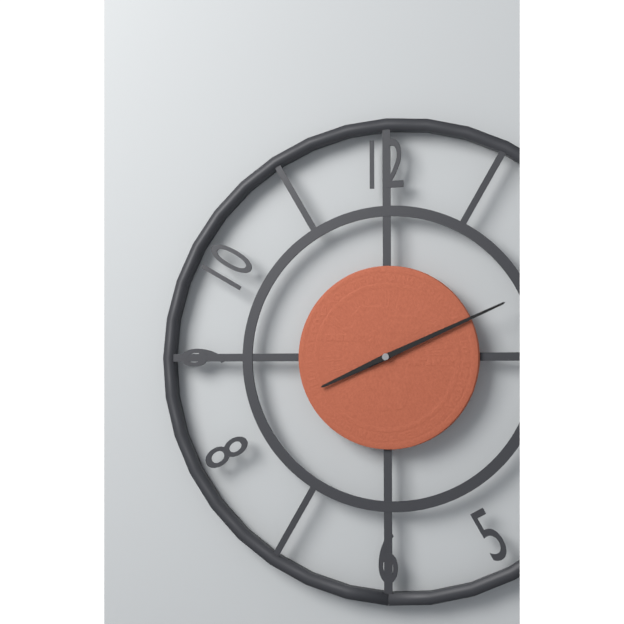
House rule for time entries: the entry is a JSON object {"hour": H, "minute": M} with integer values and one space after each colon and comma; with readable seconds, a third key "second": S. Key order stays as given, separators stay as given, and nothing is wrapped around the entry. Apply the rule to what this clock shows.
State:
{"hour": 8, "minute": 11}
